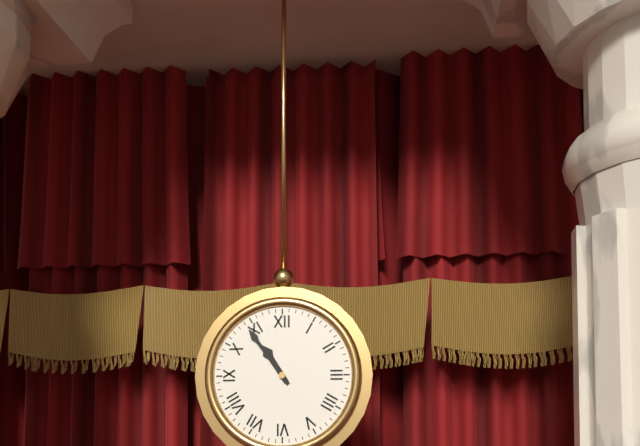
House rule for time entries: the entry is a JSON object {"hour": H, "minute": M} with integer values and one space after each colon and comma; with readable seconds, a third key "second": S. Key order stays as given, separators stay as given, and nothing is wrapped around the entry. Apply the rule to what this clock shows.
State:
{"hour": 10, "minute": 54}
